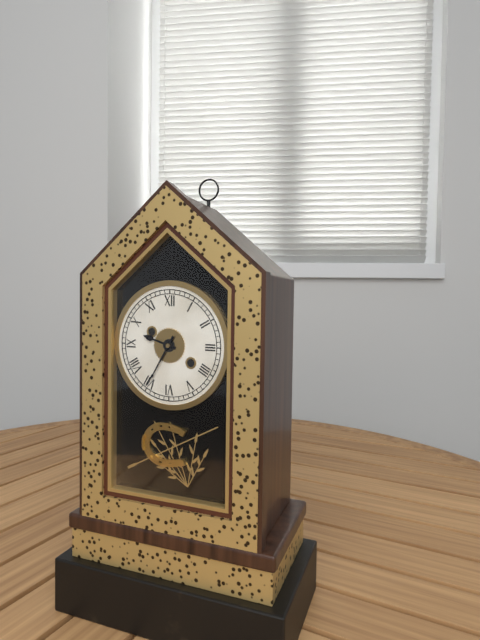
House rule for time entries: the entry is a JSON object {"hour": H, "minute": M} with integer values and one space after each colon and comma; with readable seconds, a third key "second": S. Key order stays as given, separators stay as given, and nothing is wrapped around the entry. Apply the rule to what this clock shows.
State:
{"hour": 9, "minute": 35}
